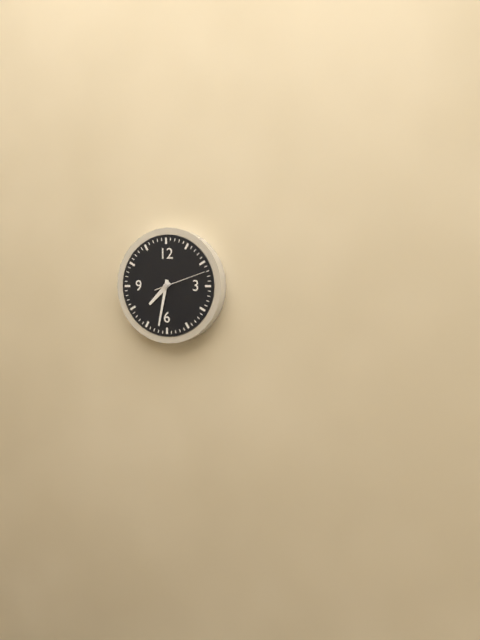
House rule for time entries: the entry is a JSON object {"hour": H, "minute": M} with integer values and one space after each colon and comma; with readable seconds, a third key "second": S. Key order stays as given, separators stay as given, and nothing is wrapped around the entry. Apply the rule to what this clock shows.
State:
{"hour": 7, "minute": 32, "second": 12}
